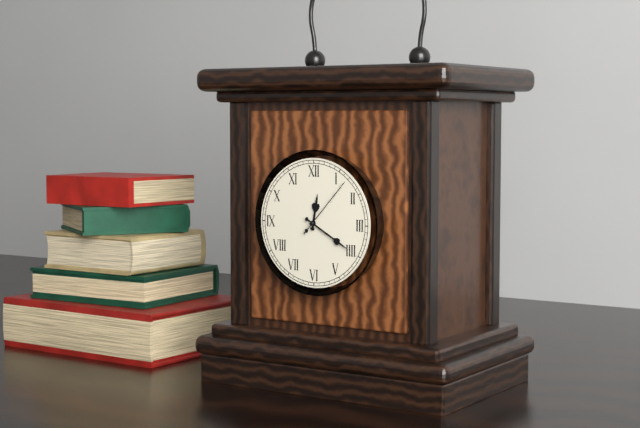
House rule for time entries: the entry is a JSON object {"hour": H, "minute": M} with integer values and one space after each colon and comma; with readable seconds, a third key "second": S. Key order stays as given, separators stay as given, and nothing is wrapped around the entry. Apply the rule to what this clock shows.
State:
{"hour": 12, "minute": 20, "second": 7}
